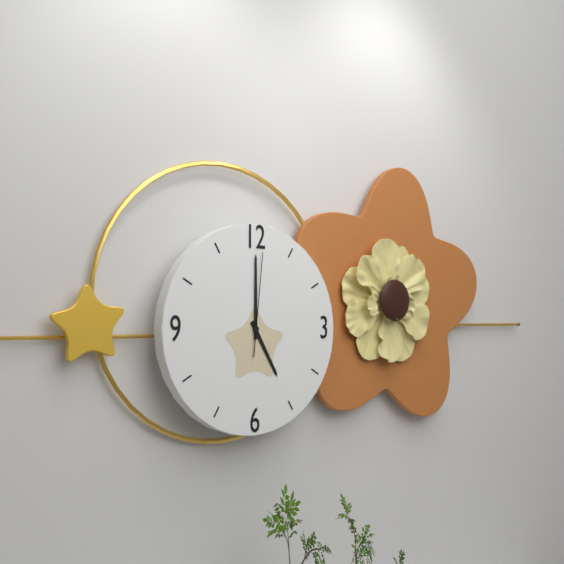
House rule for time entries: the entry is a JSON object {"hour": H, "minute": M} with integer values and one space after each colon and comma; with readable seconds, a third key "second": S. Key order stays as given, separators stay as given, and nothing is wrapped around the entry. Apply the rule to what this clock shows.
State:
{"hour": 5, "minute": 0, "second": 1}
